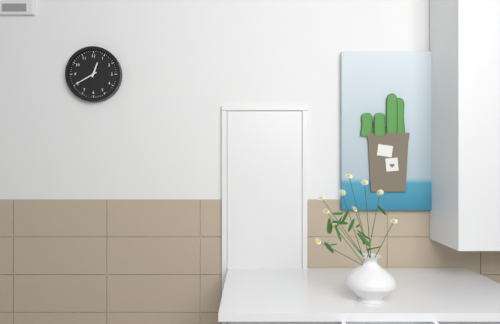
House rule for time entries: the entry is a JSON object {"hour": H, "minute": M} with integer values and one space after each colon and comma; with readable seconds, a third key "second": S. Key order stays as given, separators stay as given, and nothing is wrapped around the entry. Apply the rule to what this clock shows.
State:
{"hour": 12, "minute": 40}
